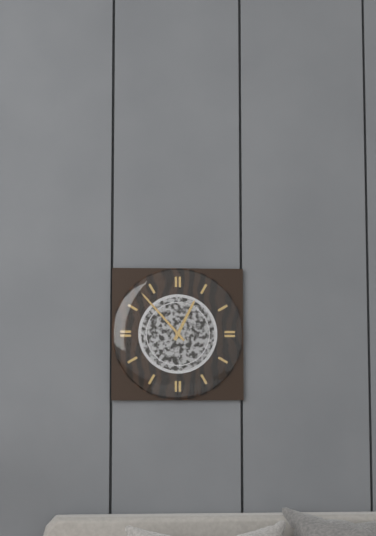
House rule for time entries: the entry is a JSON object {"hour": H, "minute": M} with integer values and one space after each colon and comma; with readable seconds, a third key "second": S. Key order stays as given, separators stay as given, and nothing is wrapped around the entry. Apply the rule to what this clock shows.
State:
{"hour": 12, "minute": 53}
